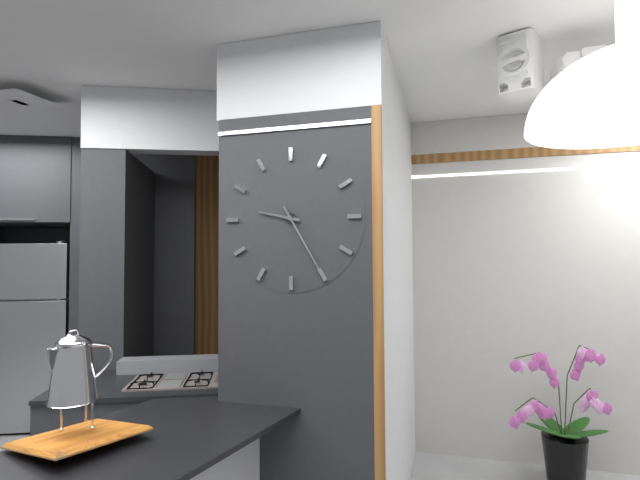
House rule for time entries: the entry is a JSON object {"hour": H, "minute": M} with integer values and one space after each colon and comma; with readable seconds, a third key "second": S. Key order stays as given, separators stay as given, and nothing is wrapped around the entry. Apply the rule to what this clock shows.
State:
{"hour": 9, "minute": 25}
